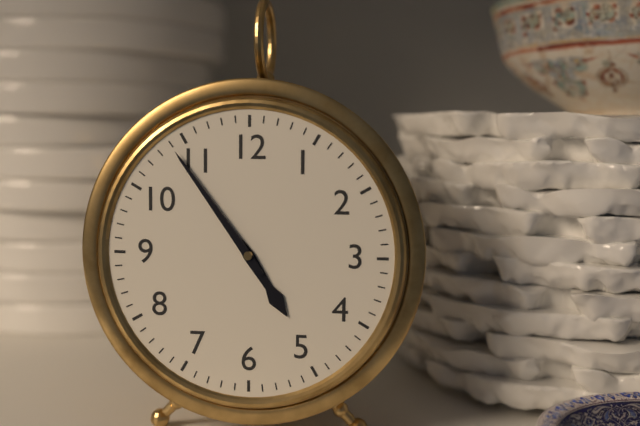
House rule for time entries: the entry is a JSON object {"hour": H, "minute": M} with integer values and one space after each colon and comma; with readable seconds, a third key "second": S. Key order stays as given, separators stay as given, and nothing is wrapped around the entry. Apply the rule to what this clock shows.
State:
{"hour": 4, "minute": 54}
